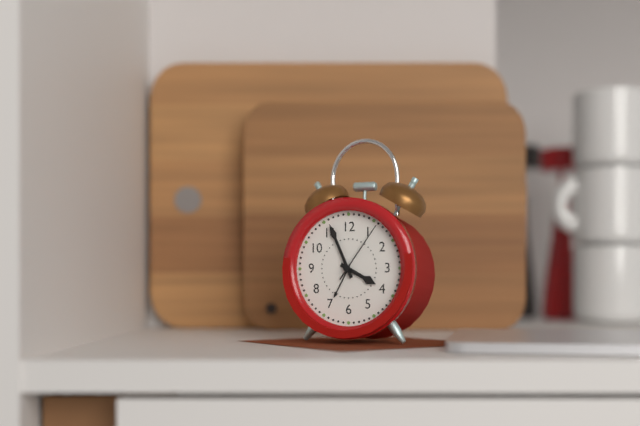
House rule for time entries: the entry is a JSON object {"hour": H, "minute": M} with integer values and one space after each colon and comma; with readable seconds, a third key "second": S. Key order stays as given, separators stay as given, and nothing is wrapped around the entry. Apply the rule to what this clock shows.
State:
{"hour": 3, "minute": 56, "second": 6}
